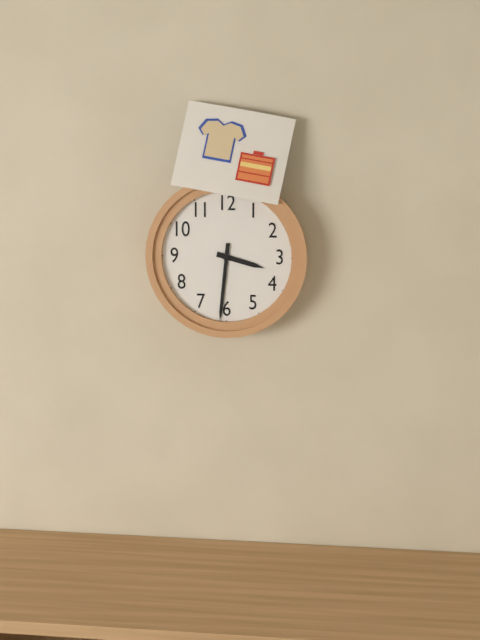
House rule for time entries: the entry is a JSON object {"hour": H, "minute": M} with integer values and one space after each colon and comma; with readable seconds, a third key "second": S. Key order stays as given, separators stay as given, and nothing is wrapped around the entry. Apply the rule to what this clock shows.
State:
{"hour": 3, "minute": 31}
